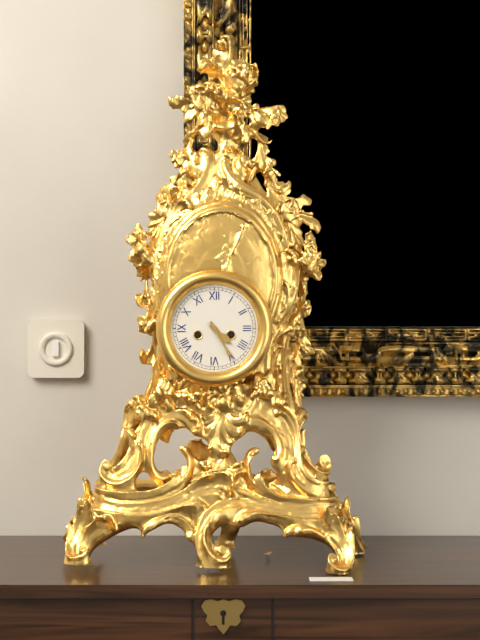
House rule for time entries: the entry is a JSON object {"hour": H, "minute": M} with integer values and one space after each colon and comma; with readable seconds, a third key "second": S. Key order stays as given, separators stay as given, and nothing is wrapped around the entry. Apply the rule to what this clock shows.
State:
{"hour": 4, "minute": 25}
